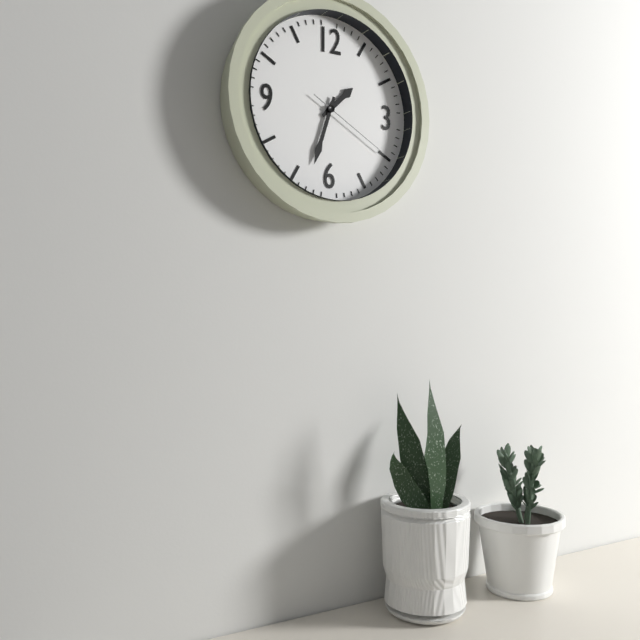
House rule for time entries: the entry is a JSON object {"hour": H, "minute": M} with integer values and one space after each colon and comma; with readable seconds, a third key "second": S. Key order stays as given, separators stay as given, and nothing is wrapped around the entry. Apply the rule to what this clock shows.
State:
{"hour": 1, "minute": 33, "second": 20}
